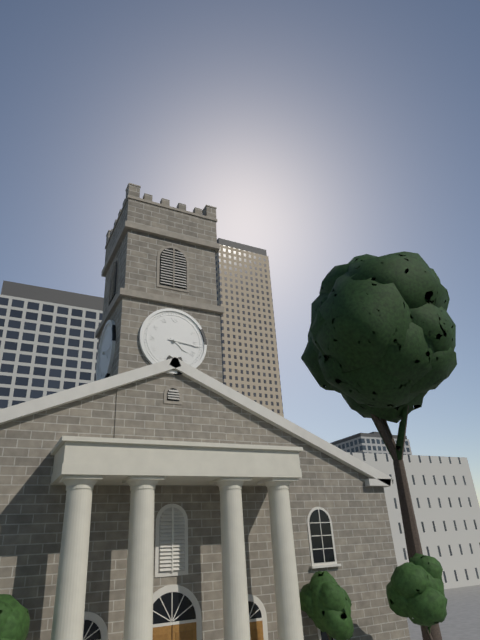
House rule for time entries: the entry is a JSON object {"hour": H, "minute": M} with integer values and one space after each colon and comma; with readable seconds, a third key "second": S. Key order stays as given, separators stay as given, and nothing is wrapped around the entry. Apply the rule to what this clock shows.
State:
{"hour": 4, "minute": 16}
